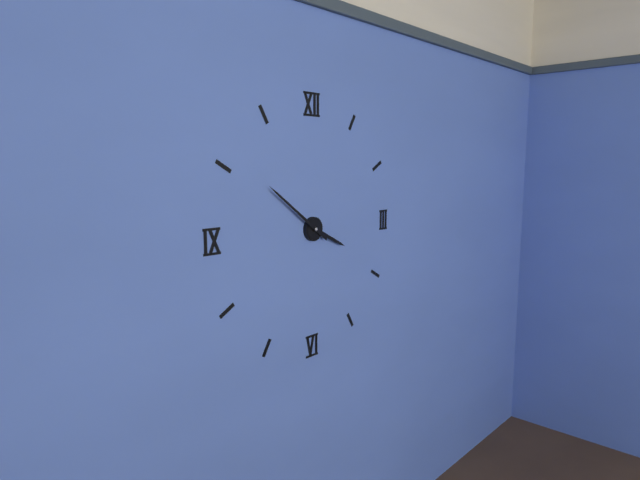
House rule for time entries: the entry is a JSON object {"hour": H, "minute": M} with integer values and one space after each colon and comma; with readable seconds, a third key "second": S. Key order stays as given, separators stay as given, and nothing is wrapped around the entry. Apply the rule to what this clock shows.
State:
{"hour": 3, "minute": 51}
